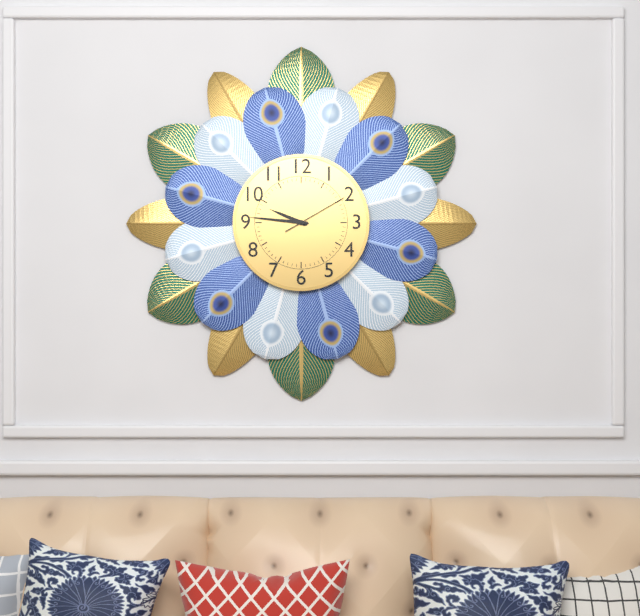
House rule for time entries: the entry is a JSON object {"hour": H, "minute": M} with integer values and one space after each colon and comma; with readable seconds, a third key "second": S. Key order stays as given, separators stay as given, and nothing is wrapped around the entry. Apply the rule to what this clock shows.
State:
{"hour": 9, "minute": 46, "second": 10}
